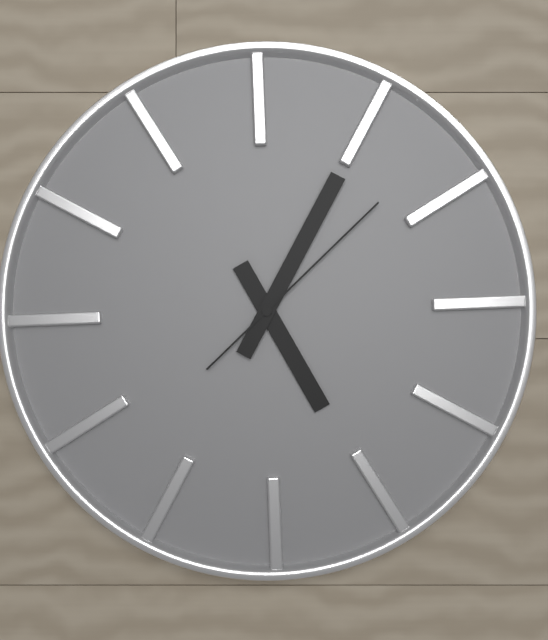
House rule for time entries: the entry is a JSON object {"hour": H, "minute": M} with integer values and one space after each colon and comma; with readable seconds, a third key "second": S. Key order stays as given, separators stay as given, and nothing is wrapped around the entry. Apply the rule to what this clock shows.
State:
{"hour": 5, "minute": 5, "second": 8}
